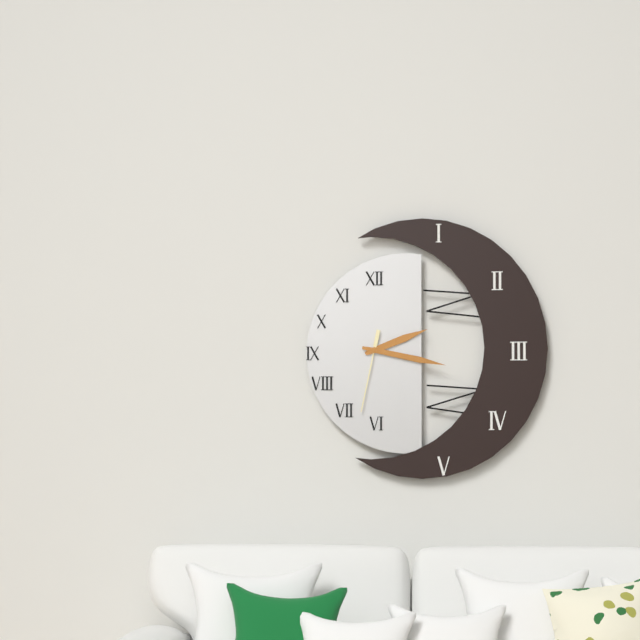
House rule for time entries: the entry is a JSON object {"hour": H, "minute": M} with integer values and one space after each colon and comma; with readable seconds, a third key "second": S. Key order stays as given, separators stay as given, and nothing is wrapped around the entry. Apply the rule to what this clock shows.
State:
{"hour": 2, "minute": 17, "second": 32}
